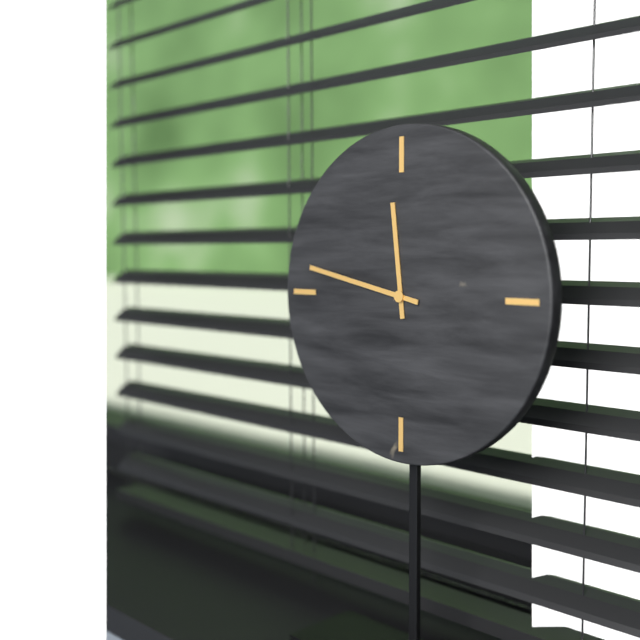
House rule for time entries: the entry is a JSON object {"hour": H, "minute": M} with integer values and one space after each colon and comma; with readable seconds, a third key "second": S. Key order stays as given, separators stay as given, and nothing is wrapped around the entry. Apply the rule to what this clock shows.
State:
{"hour": 11, "minute": 47}
